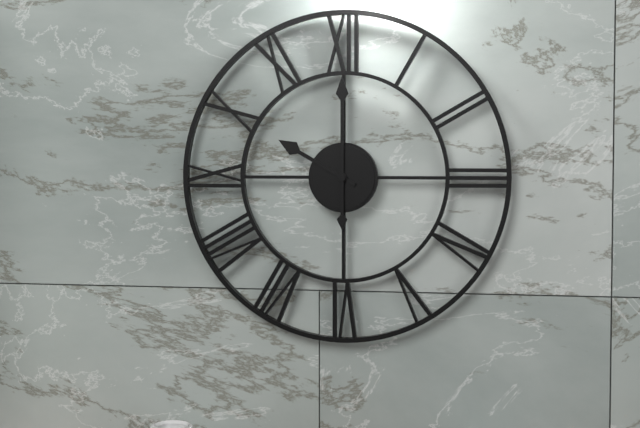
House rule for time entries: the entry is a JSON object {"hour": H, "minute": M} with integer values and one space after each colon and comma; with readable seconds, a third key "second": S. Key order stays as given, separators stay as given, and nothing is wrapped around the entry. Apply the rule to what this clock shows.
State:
{"hour": 10, "minute": 0}
